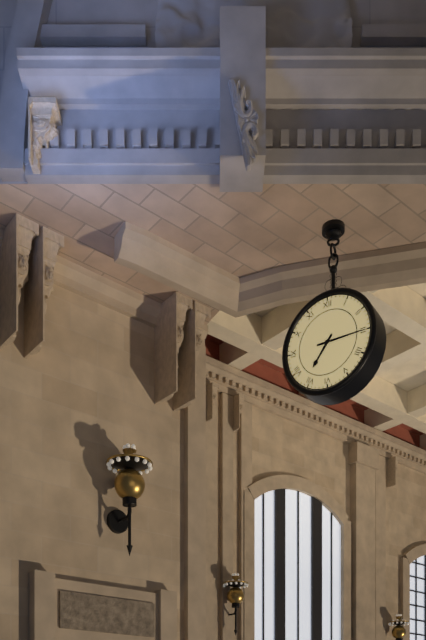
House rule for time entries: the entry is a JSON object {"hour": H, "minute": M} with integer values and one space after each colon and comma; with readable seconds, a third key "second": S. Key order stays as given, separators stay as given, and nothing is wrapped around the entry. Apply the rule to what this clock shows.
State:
{"hour": 7, "minute": 15}
